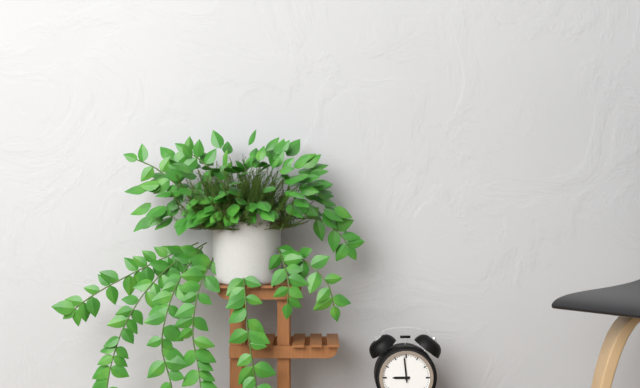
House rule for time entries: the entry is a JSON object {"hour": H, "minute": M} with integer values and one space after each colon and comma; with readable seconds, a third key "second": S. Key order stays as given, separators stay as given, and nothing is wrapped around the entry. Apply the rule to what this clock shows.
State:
{"hour": 8, "minute": 59}
